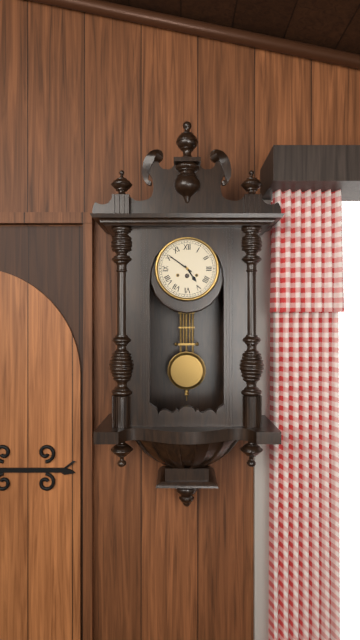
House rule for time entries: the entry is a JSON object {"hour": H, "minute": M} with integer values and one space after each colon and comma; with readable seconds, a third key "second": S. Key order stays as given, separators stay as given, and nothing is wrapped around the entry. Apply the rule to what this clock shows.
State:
{"hour": 4, "minute": 51}
